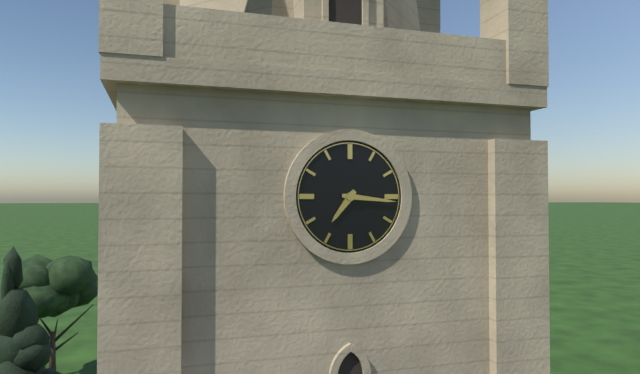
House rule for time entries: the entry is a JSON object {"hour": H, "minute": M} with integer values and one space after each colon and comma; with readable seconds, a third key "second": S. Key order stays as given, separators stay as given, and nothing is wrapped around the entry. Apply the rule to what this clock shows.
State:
{"hour": 7, "minute": 16}
